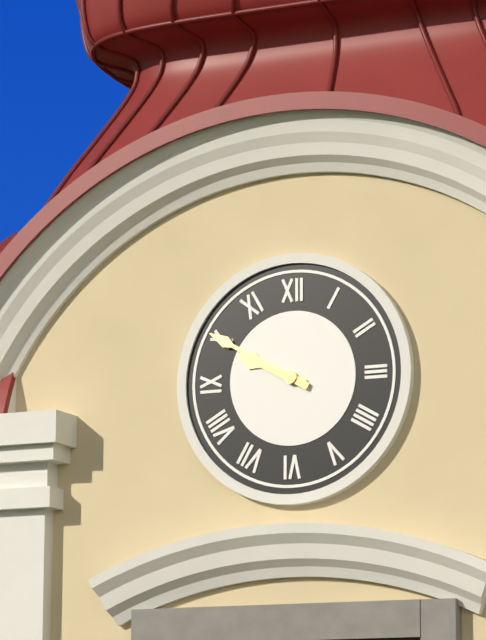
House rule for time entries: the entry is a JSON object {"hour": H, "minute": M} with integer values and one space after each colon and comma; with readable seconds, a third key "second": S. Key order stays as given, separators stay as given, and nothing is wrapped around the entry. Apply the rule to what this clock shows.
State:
{"hour": 9, "minute": 50}
